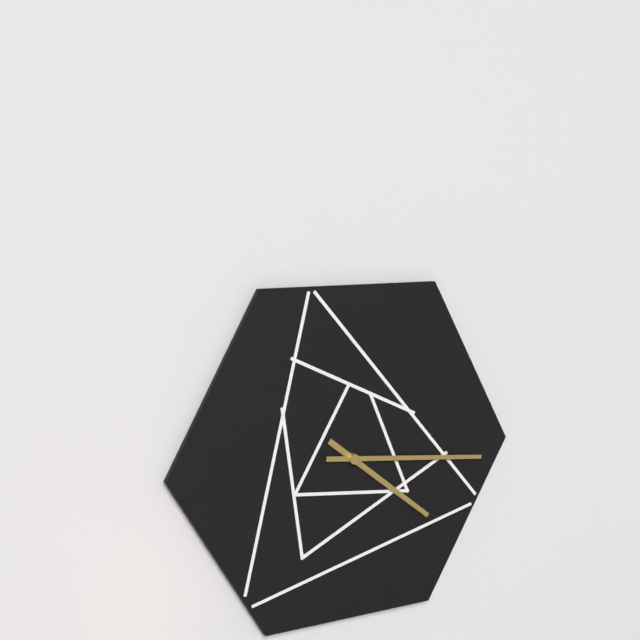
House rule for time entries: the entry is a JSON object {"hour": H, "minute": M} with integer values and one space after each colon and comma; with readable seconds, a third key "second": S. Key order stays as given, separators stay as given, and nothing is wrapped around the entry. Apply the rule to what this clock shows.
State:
{"hour": 4, "minute": 16}
